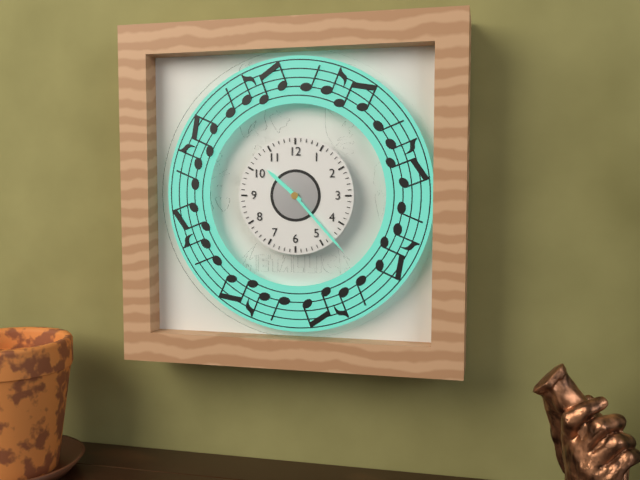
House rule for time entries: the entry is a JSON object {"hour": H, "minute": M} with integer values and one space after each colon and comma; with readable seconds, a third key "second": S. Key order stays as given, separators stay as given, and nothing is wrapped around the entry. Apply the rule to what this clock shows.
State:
{"hour": 10, "minute": 23}
